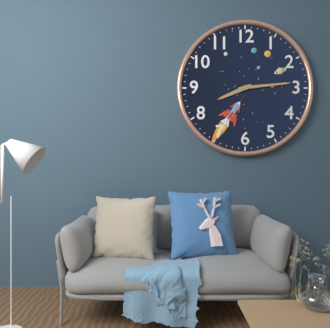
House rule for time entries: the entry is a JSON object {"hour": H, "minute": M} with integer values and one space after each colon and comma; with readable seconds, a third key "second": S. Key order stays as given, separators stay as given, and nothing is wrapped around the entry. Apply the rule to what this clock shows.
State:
{"hour": 8, "minute": 14}
